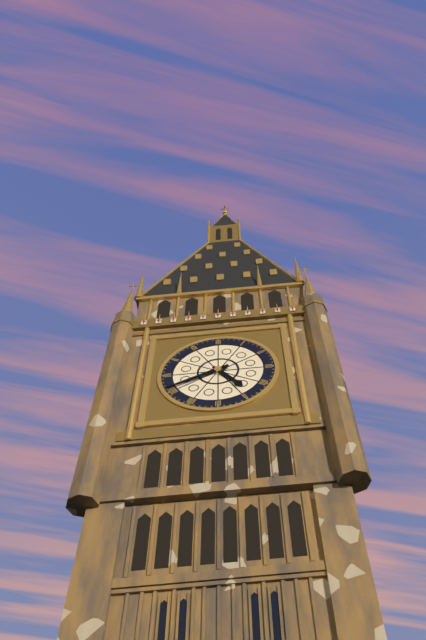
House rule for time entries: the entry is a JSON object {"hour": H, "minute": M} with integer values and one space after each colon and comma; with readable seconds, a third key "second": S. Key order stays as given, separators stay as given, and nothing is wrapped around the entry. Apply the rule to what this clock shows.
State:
{"hour": 4, "minute": 41}
